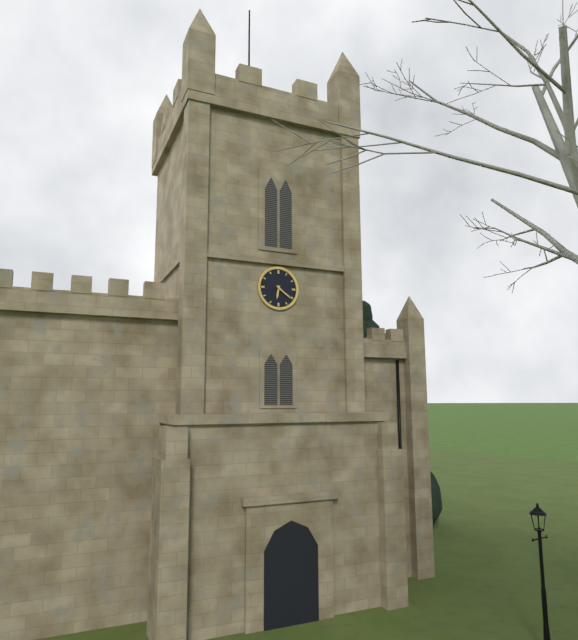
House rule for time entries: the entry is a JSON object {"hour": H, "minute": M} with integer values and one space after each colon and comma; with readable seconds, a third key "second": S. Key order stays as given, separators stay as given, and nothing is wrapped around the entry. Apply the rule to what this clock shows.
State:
{"hour": 6, "minute": 21}
